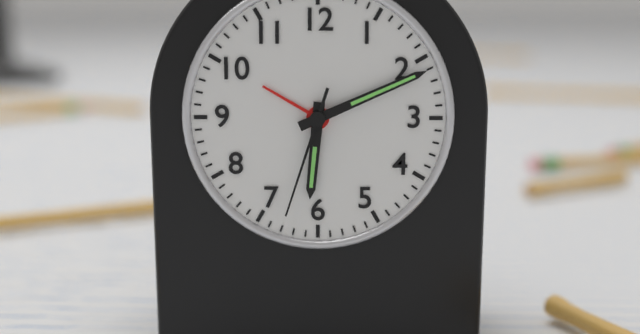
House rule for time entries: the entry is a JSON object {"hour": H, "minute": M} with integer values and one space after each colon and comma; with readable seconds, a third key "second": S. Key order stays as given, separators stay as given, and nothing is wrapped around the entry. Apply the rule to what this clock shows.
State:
{"hour": 6, "minute": 11, "second": 33}
